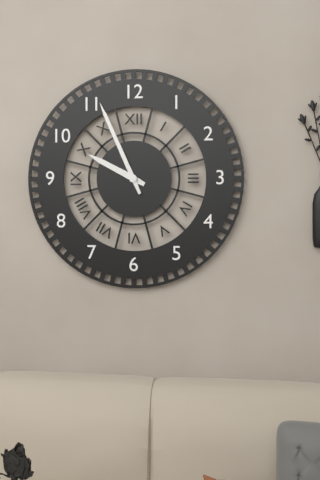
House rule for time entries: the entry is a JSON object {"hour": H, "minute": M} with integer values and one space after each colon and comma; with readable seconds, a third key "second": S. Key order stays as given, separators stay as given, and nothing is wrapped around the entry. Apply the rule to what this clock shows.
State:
{"hour": 9, "minute": 56}
